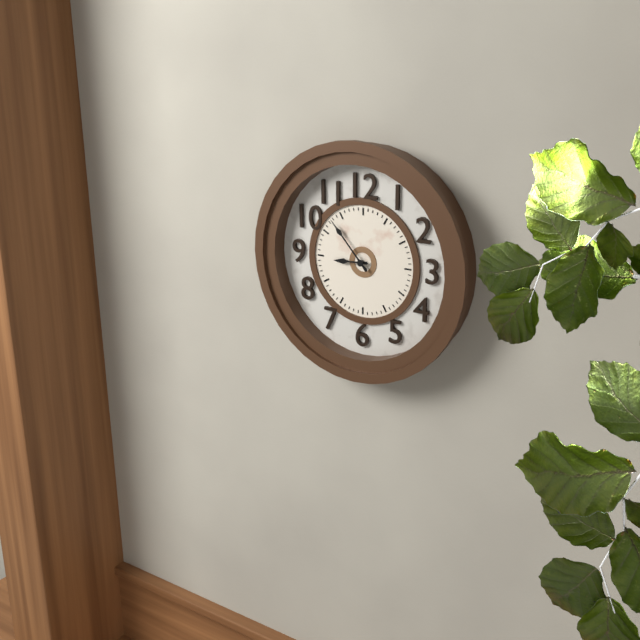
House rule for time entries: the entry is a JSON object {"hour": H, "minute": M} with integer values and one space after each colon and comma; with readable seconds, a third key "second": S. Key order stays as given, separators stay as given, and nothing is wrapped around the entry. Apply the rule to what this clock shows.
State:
{"hour": 8, "minute": 53}
